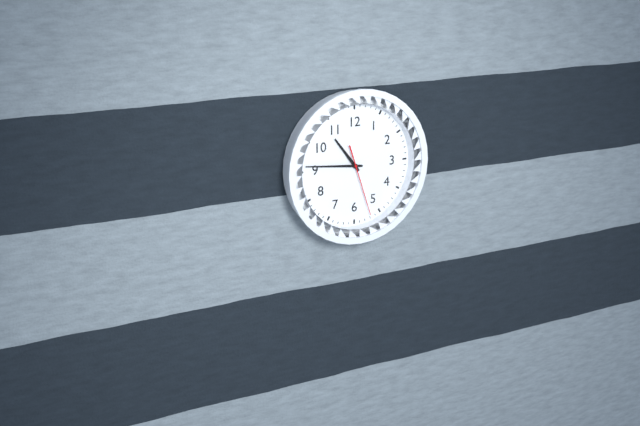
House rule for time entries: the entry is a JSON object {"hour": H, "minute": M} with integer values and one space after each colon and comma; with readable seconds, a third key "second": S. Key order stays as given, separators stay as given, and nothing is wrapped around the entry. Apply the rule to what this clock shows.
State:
{"hour": 10, "minute": 46, "second": 27}
